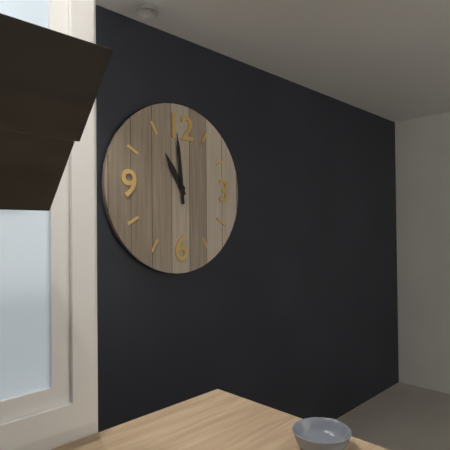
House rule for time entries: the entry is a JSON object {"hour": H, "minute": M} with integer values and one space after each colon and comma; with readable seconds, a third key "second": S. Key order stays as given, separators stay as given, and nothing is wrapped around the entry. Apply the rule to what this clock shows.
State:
{"hour": 10, "minute": 59}
